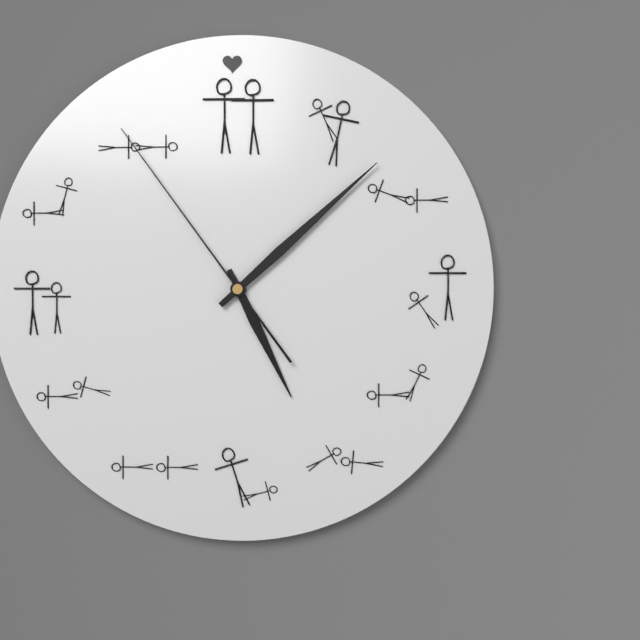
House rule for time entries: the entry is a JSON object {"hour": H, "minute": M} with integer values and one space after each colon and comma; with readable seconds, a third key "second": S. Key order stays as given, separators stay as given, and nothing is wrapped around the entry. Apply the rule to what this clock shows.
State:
{"hour": 5, "minute": 8, "second": 54}
